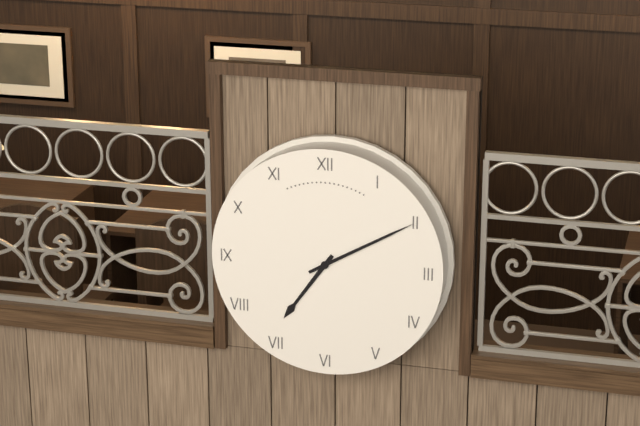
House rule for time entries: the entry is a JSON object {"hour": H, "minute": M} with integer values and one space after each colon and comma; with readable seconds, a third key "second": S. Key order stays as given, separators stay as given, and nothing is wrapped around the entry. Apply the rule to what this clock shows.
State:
{"hour": 7, "minute": 10}
